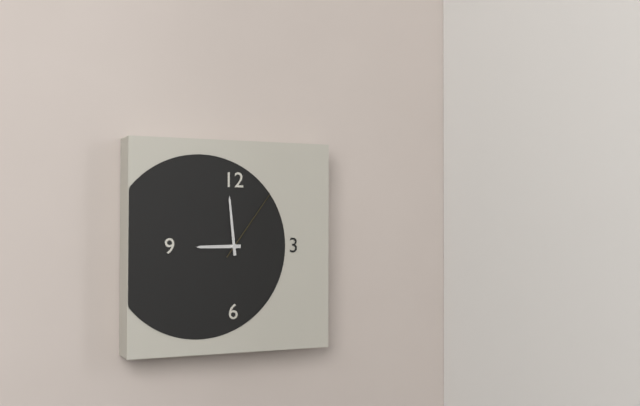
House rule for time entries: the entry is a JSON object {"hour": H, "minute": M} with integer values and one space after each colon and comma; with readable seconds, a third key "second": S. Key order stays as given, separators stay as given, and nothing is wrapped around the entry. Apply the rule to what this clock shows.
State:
{"hour": 8, "minute": 59, "second": 6}
